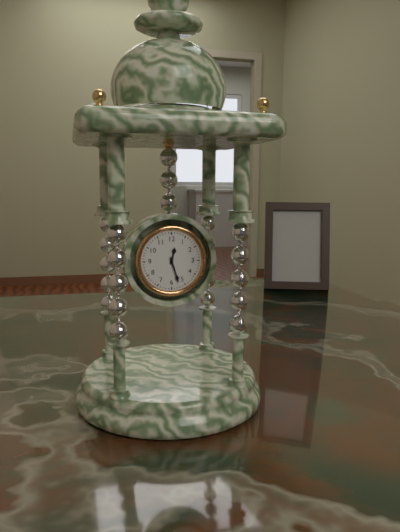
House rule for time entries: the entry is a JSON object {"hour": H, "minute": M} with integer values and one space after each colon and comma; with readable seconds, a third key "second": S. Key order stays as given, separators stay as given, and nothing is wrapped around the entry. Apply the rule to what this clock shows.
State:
{"hour": 12, "minute": 27}
